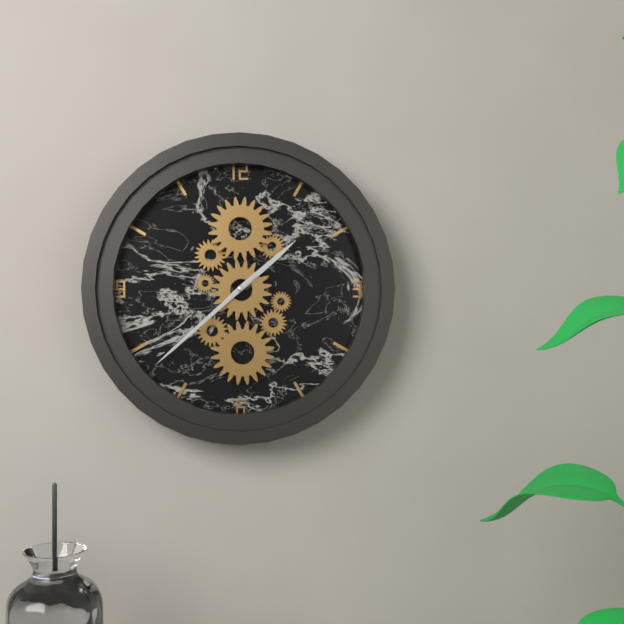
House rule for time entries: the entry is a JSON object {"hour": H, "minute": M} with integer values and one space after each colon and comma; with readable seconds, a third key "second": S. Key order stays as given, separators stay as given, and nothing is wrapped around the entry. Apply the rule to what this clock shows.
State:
{"hour": 1, "minute": 38}
